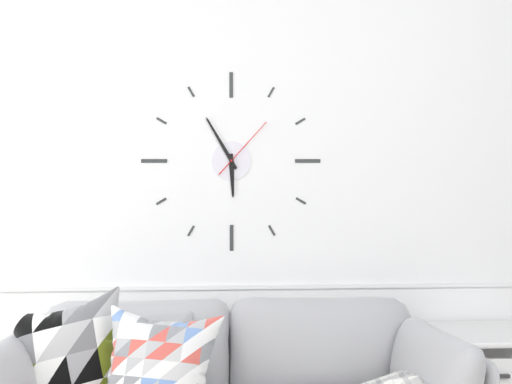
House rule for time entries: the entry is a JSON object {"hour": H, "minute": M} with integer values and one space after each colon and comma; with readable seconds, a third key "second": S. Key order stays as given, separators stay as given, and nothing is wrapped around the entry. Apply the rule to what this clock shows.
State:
{"hour": 5, "minute": 55, "second": 7}
